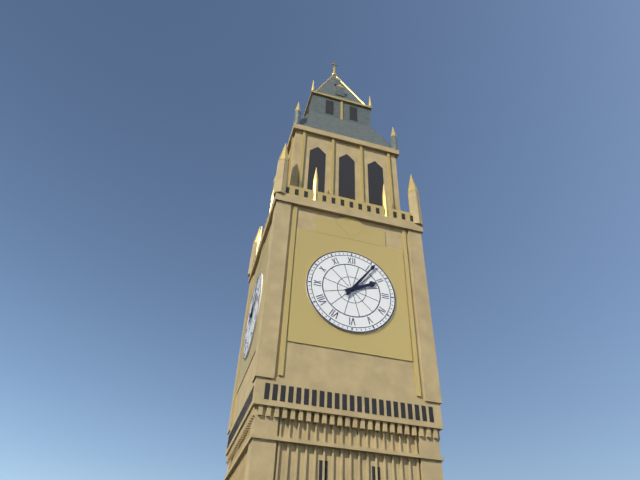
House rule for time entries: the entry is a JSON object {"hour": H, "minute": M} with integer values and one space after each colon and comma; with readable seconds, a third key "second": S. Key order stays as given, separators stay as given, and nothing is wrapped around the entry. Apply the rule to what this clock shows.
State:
{"hour": 2, "minute": 6}
